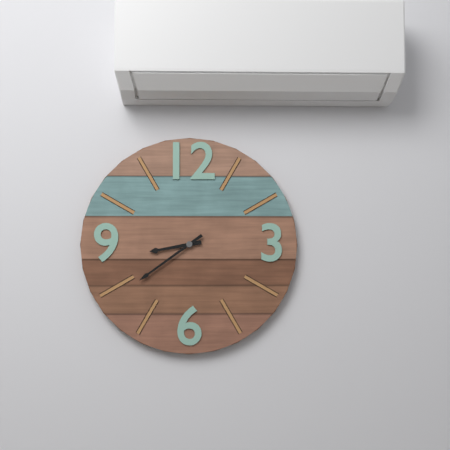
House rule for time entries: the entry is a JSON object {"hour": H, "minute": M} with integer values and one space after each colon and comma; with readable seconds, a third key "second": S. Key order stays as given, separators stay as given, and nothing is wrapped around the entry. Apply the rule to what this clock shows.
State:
{"hour": 8, "minute": 39}
